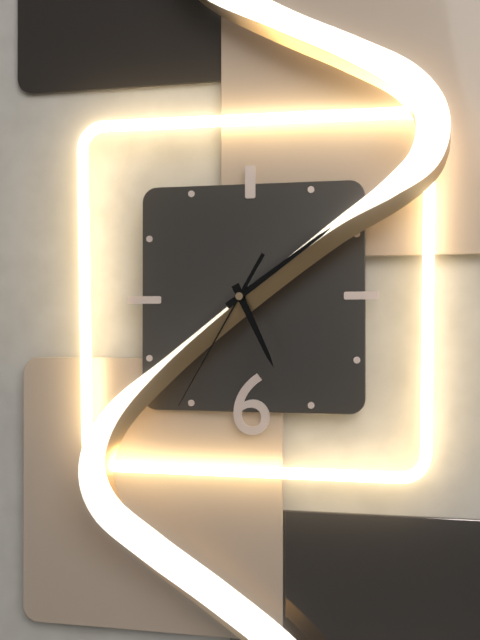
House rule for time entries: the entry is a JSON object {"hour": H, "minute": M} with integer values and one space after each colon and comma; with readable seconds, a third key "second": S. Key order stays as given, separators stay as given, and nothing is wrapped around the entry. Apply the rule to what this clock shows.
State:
{"hour": 5, "minute": 9, "second": 35}
